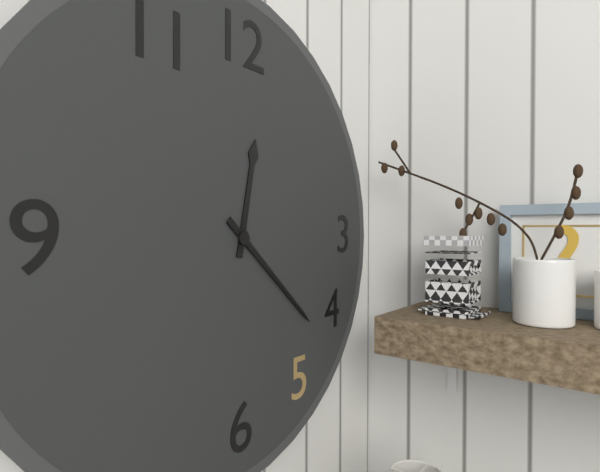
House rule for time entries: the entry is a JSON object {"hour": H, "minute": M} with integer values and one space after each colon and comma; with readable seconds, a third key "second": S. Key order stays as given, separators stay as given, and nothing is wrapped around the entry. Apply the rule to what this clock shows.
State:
{"hour": 12, "minute": 22}
